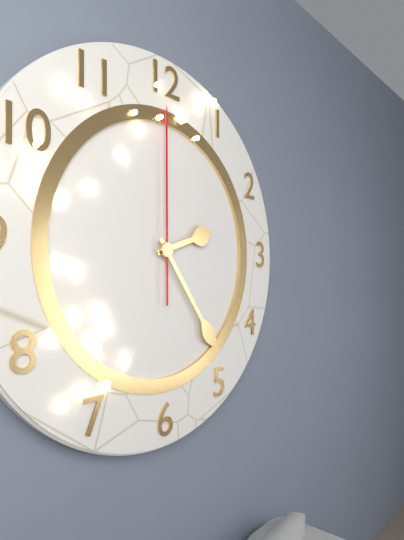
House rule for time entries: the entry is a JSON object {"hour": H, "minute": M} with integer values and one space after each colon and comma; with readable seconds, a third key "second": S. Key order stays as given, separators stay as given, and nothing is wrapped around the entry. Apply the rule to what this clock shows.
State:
{"hour": 2, "minute": 24, "second": 0}
